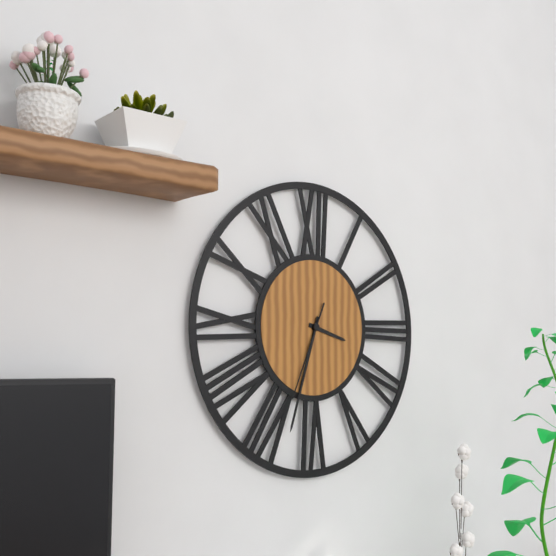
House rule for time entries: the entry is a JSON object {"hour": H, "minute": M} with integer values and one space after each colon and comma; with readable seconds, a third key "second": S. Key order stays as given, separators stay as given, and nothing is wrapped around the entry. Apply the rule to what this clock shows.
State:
{"hour": 3, "minute": 33, "second": 34}
